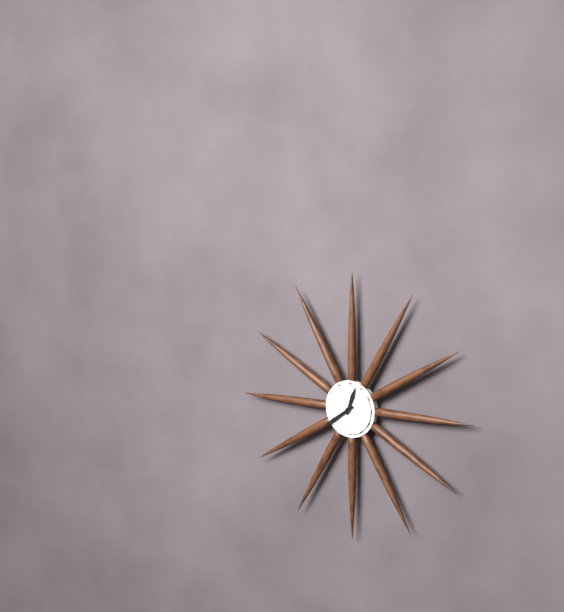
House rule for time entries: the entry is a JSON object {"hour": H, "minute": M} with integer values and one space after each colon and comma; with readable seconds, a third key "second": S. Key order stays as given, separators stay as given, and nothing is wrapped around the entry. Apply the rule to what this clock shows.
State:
{"hour": 12, "minute": 39}
